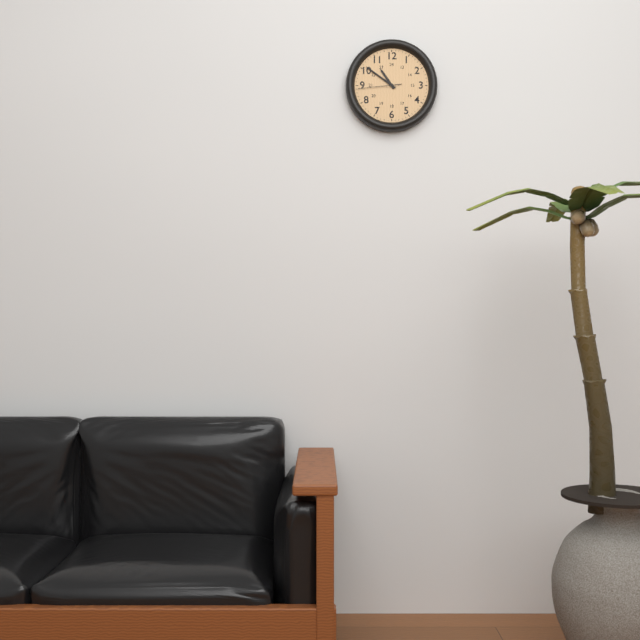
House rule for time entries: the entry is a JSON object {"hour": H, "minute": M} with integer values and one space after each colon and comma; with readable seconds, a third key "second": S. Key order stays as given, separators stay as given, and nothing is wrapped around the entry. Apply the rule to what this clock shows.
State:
{"hour": 10, "minute": 51}
